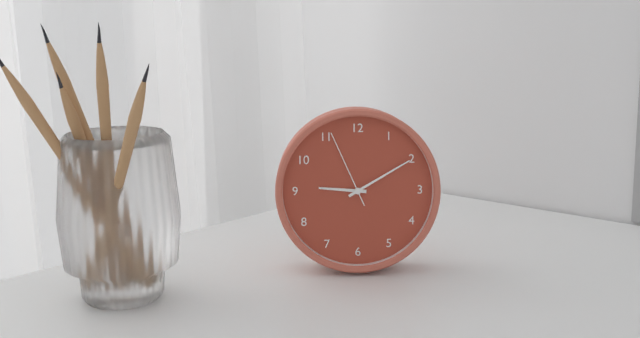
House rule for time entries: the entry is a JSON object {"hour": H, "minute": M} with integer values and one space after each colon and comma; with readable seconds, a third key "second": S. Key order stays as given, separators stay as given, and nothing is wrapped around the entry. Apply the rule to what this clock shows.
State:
{"hour": 9, "minute": 10, "second": 56}
